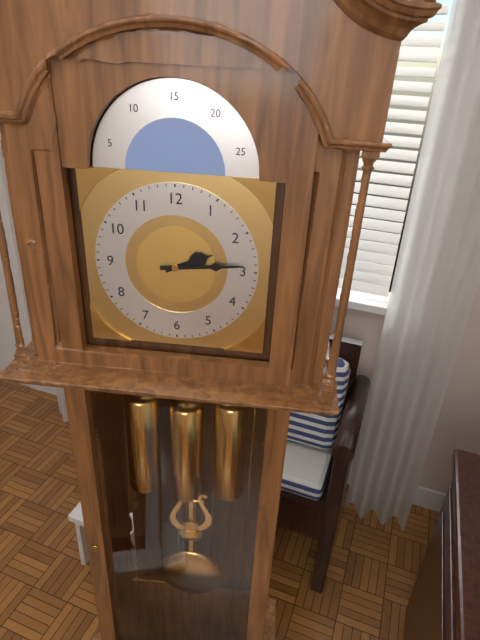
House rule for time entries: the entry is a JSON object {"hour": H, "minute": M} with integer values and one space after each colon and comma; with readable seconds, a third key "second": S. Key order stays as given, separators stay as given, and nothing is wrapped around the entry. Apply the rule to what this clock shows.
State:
{"hour": 2, "minute": 14}
